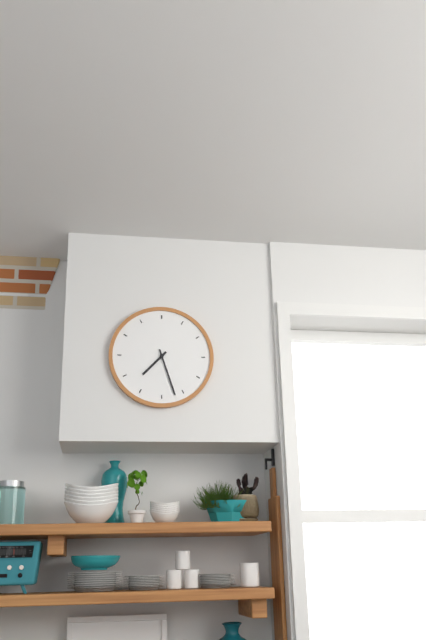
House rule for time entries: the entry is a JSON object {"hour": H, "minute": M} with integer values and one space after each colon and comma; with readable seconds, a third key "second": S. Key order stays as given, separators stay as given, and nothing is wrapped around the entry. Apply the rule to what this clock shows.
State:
{"hour": 7, "minute": 27}
